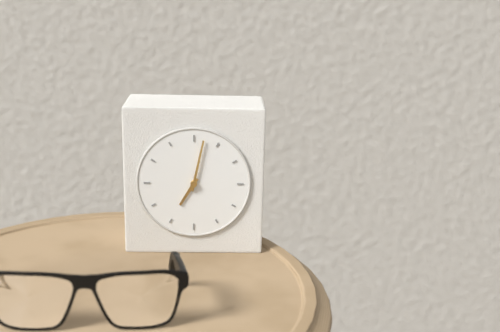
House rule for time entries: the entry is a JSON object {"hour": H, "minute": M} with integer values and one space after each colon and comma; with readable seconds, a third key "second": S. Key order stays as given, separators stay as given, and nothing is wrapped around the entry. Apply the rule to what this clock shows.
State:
{"hour": 7, "minute": 2}
